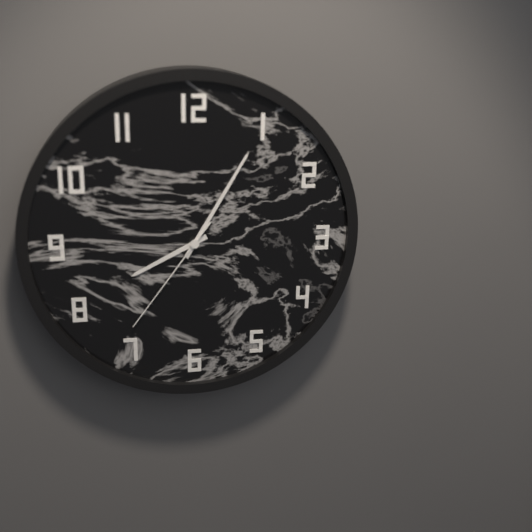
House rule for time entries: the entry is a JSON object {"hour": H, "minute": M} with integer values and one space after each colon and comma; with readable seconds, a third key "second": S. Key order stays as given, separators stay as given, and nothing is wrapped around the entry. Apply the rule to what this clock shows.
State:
{"hour": 8, "minute": 5, "second": 36}
